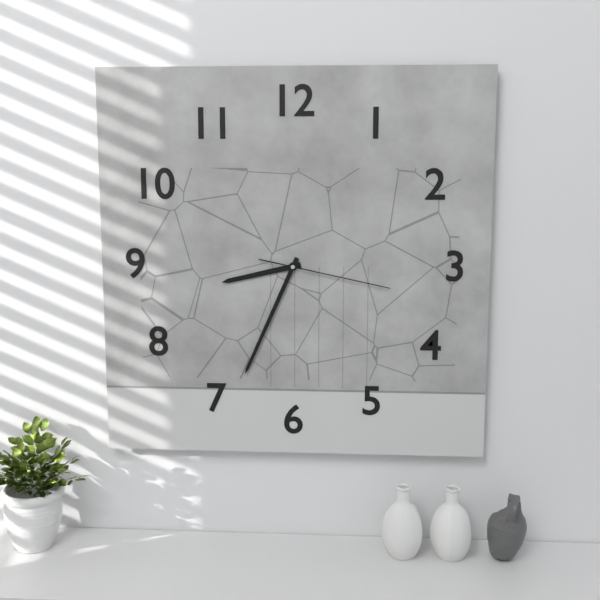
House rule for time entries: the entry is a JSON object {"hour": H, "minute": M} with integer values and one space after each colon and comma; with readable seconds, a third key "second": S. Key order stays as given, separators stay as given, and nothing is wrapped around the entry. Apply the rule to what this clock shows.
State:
{"hour": 8, "minute": 34, "second": 17}
